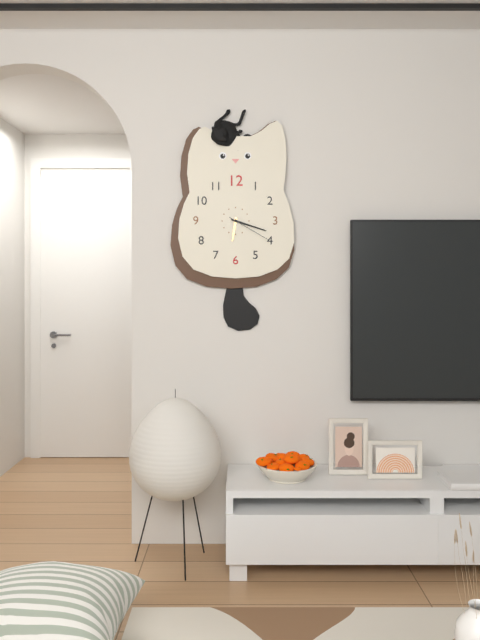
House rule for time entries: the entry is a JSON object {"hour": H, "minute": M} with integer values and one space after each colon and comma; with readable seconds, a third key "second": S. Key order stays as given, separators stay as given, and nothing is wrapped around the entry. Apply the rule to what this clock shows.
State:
{"hour": 6, "minute": 18}
